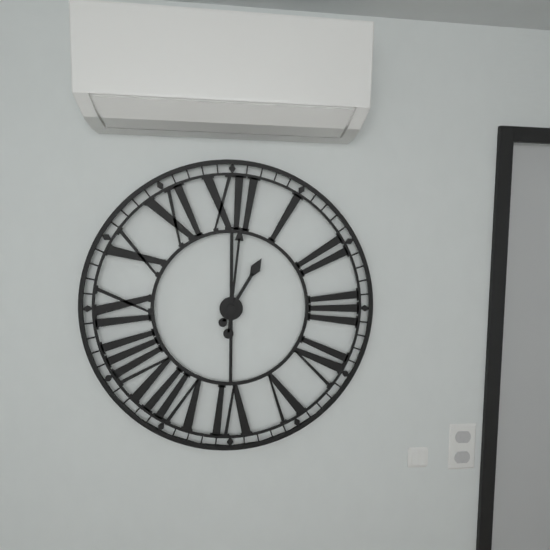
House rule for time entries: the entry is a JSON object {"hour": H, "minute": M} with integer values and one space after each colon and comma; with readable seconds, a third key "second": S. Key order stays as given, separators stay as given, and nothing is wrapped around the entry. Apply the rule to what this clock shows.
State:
{"hour": 1, "minute": 1}
